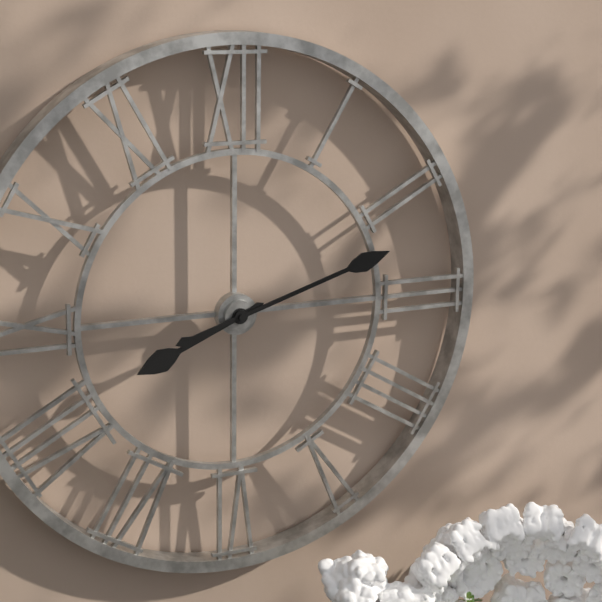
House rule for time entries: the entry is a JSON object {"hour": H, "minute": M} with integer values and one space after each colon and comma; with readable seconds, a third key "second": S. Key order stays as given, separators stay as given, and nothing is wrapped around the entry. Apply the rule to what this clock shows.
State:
{"hour": 8, "minute": 12}
